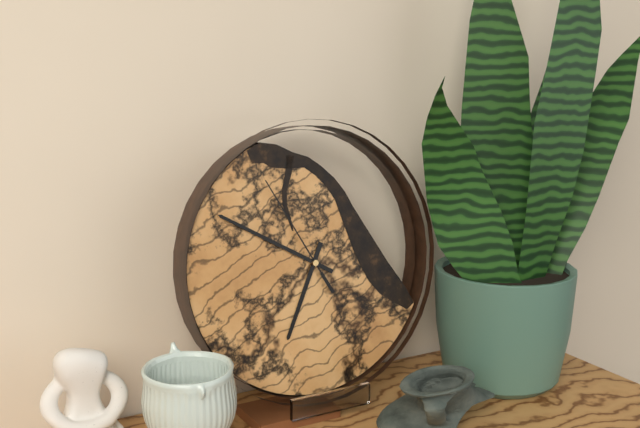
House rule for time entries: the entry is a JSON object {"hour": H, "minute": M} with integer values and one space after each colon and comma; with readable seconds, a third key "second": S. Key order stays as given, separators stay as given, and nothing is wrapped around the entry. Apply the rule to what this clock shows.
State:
{"hour": 6, "minute": 50, "second": 55}
